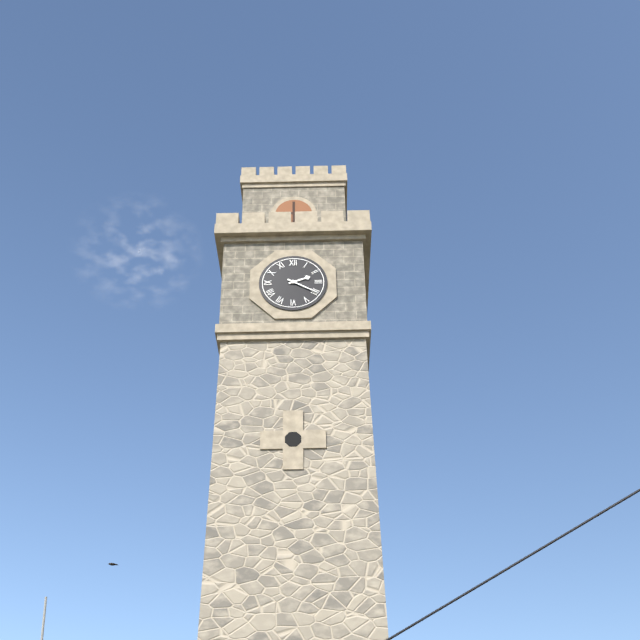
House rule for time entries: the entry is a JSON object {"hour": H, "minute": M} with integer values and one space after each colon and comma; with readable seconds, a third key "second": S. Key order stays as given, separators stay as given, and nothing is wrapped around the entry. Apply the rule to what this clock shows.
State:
{"hour": 2, "minute": 20}
